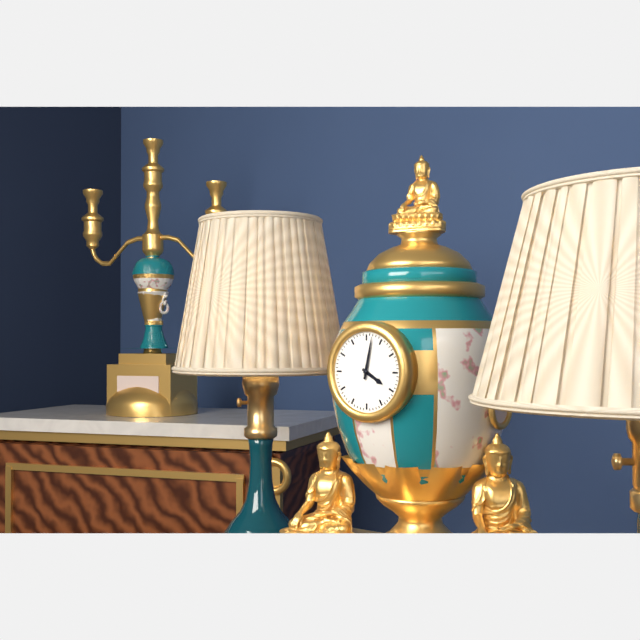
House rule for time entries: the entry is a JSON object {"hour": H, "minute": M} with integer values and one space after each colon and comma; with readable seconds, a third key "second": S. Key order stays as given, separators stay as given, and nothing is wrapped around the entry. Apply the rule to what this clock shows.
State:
{"hour": 4, "minute": 2}
